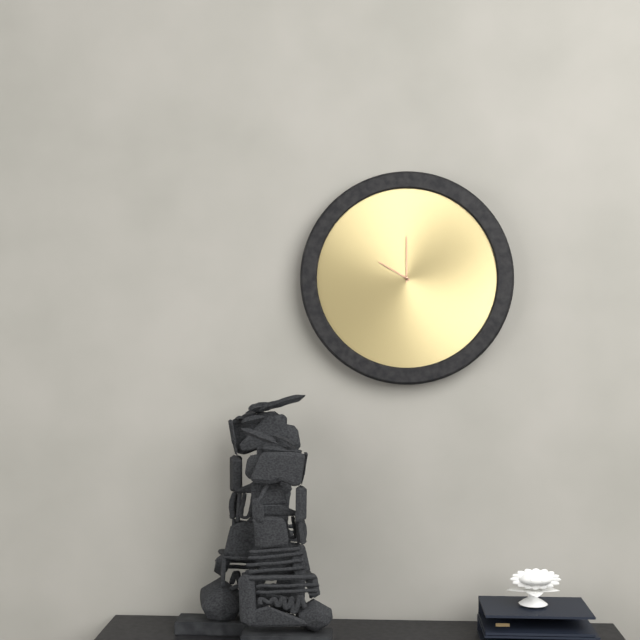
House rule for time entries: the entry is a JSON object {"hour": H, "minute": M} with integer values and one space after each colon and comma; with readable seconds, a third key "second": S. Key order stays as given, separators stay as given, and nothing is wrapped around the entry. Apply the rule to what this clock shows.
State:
{"hour": 10, "minute": 0}
